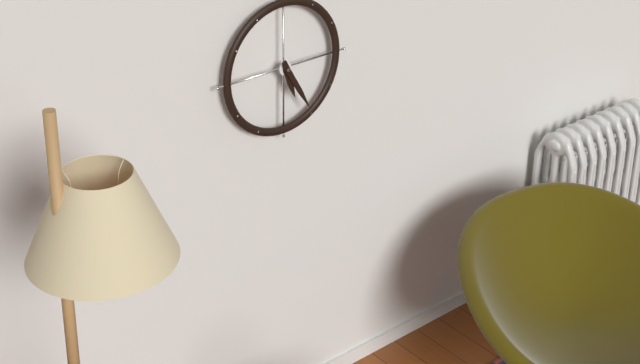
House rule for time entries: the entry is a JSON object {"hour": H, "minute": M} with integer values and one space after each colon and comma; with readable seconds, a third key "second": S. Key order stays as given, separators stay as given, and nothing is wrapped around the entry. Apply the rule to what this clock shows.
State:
{"hour": 5, "minute": 25}
